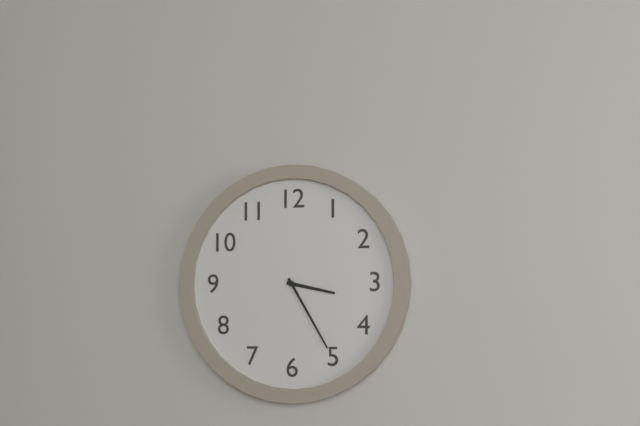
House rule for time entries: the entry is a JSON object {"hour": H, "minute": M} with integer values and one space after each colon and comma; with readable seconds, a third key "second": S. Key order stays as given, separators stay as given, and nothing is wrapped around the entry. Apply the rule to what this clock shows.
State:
{"hour": 3, "minute": 25}
